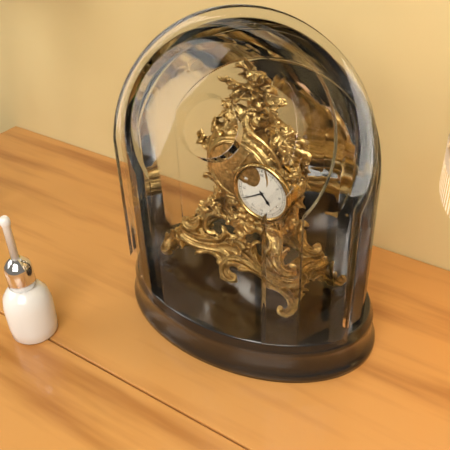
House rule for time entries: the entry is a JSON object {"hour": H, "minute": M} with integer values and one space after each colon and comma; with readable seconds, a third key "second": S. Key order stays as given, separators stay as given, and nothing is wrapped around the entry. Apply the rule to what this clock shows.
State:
{"hour": 4, "minute": 40}
